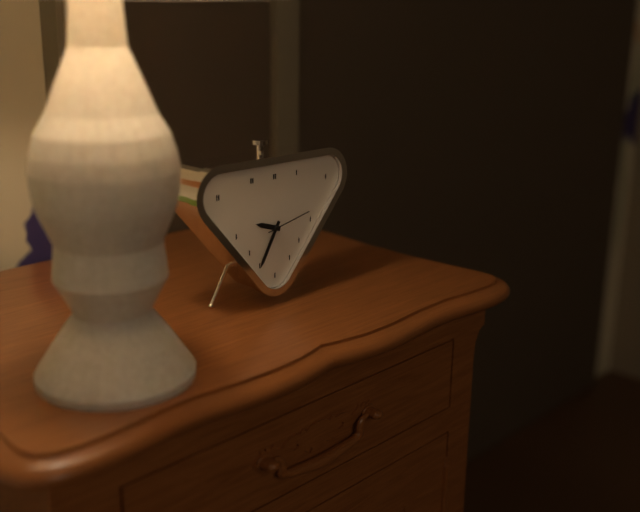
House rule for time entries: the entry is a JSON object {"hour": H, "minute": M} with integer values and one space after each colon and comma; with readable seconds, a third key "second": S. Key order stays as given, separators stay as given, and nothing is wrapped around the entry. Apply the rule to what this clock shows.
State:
{"hour": 9, "minute": 35}
